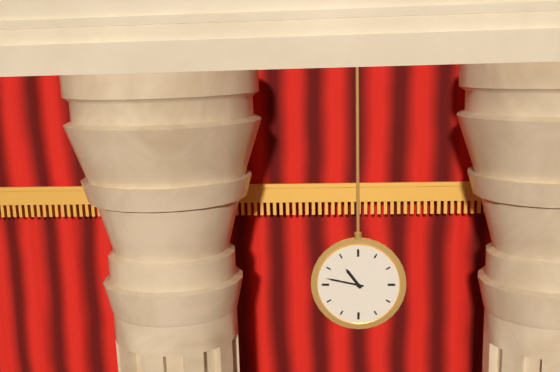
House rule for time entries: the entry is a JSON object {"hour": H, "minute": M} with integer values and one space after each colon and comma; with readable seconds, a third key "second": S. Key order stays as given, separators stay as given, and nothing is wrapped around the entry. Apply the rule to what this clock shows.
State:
{"hour": 10, "minute": 47}
